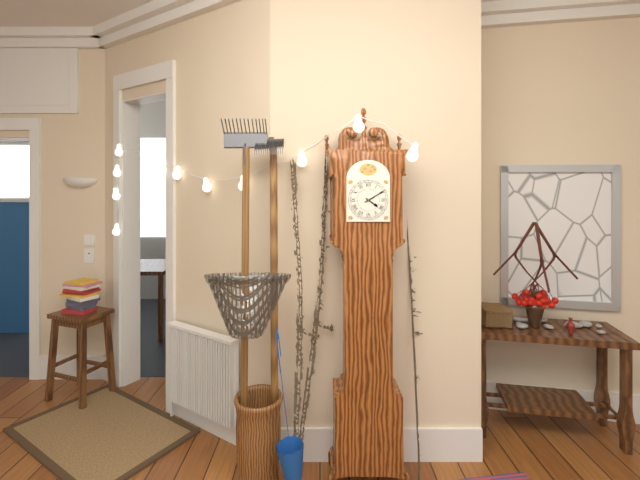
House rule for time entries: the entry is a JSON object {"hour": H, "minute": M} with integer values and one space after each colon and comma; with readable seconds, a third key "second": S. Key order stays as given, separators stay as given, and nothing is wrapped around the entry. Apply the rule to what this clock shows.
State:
{"hour": 4, "minute": 10}
